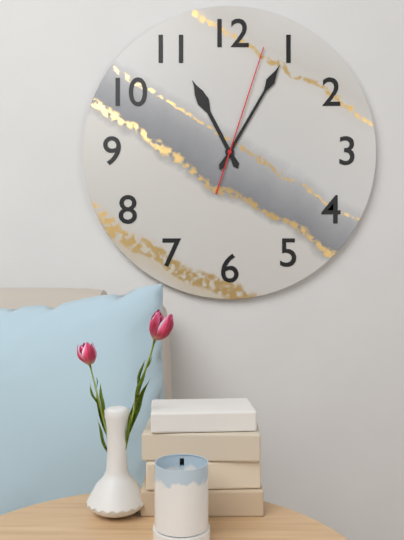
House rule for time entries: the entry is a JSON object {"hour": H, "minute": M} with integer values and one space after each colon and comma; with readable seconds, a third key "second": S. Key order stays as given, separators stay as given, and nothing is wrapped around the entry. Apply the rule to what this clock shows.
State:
{"hour": 11, "minute": 5, "second": 3}
